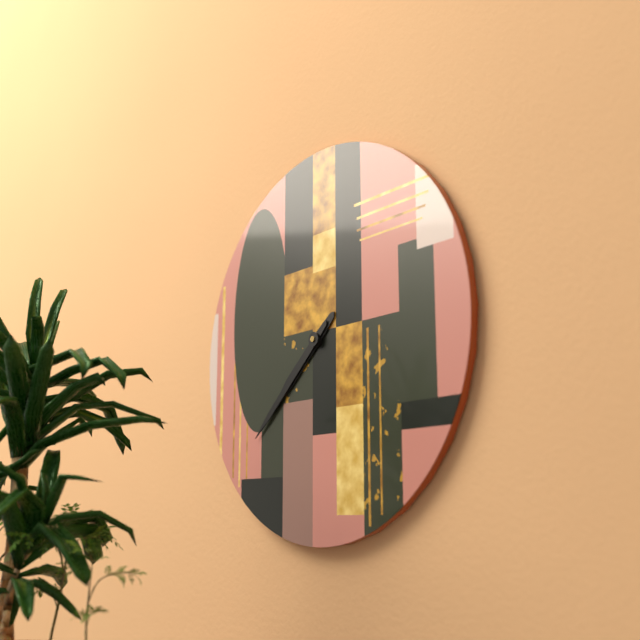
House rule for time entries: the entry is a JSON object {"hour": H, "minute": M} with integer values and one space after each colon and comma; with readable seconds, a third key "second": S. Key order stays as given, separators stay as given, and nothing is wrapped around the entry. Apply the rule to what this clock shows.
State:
{"hour": 7, "minute": 38}
